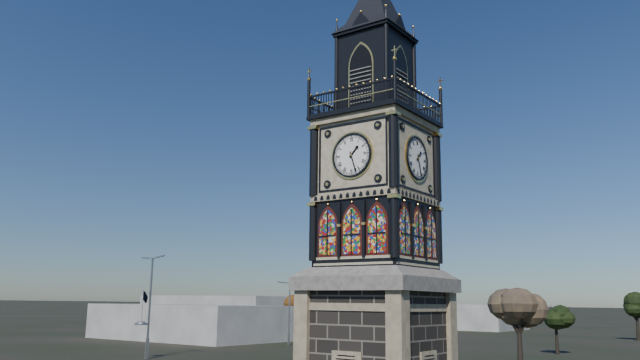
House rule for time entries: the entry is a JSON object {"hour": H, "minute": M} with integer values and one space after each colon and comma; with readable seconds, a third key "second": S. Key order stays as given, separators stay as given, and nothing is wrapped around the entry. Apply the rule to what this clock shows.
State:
{"hour": 1, "minute": 27}
